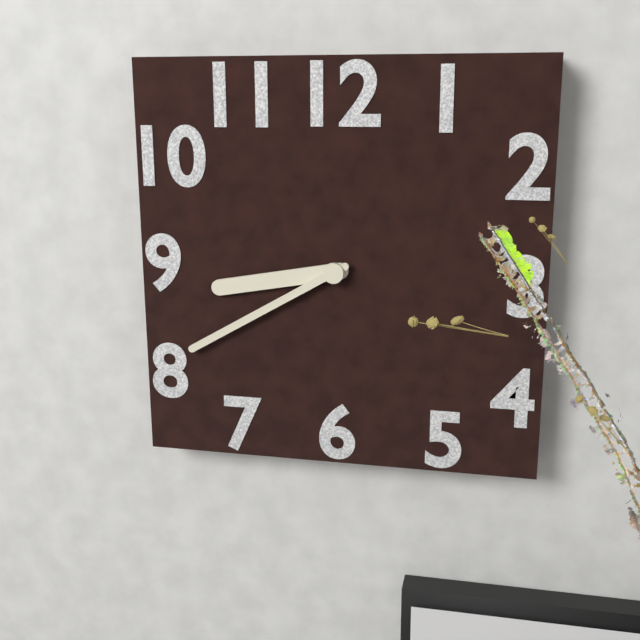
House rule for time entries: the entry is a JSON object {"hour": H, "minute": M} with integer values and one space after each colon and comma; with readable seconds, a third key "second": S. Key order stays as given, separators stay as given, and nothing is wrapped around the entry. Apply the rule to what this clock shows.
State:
{"hour": 8, "minute": 40}
